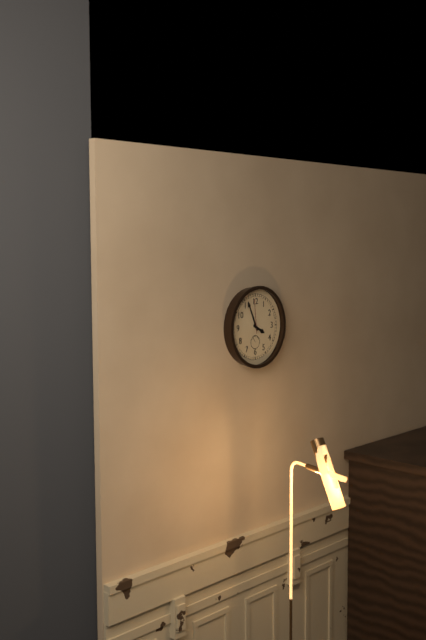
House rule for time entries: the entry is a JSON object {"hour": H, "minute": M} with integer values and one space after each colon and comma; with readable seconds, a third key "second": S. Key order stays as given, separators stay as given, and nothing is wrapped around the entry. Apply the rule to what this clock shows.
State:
{"hour": 3, "minute": 56}
